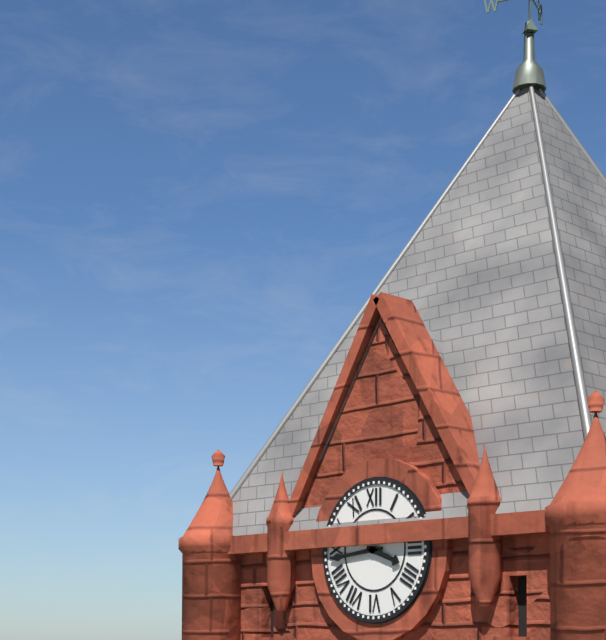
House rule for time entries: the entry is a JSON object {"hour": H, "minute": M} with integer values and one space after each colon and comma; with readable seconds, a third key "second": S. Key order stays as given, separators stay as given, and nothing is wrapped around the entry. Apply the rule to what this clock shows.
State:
{"hour": 3, "minute": 44}
